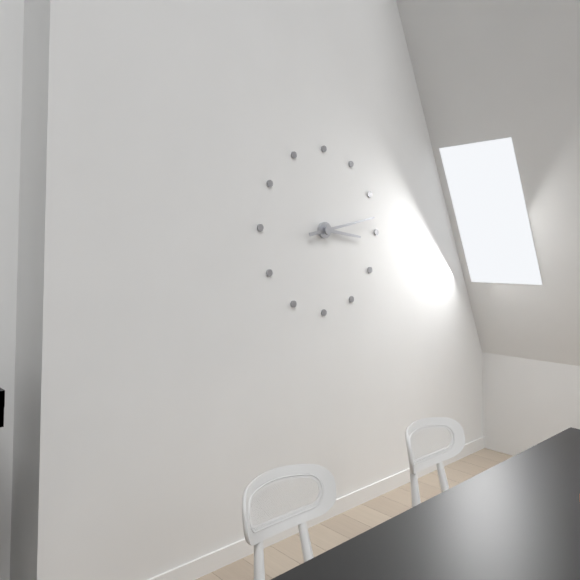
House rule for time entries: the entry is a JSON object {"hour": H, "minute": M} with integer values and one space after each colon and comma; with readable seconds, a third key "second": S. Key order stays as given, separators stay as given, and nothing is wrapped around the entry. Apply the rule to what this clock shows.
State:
{"hour": 3, "minute": 13}
